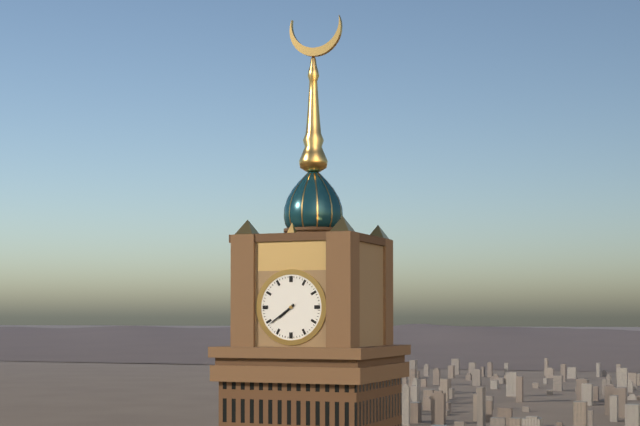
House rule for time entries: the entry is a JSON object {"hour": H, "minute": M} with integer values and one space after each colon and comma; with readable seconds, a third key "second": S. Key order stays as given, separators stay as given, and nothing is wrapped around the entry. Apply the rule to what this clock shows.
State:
{"hour": 7, "minute": 39}
